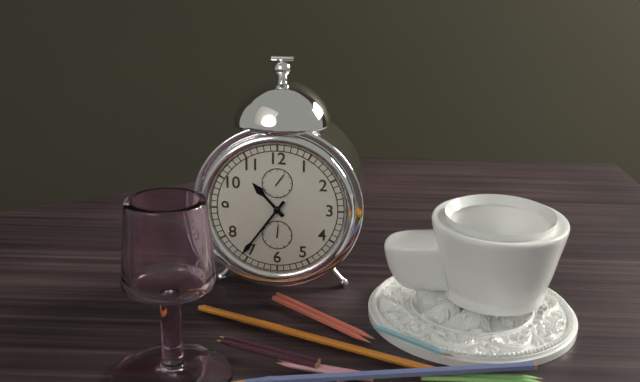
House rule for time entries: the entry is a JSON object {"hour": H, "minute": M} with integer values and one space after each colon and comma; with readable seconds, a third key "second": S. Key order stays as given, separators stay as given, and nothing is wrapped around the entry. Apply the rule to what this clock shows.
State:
{"hour": 10, "minute": 36}
